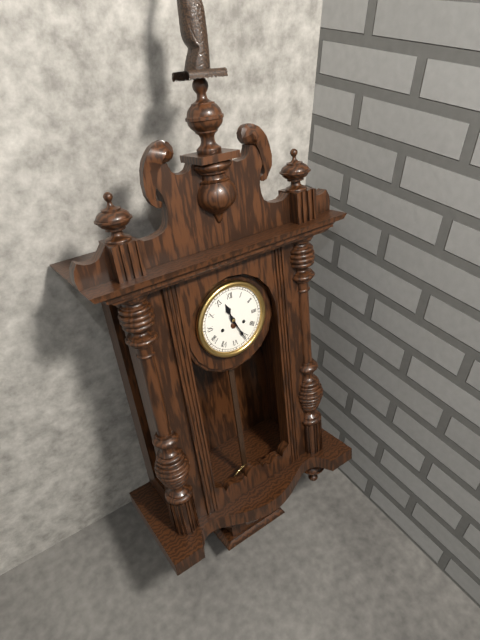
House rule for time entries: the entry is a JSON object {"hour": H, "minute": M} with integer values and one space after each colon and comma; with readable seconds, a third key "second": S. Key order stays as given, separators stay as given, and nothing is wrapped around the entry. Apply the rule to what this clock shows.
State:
{"hour": 11, "minute": 26}
